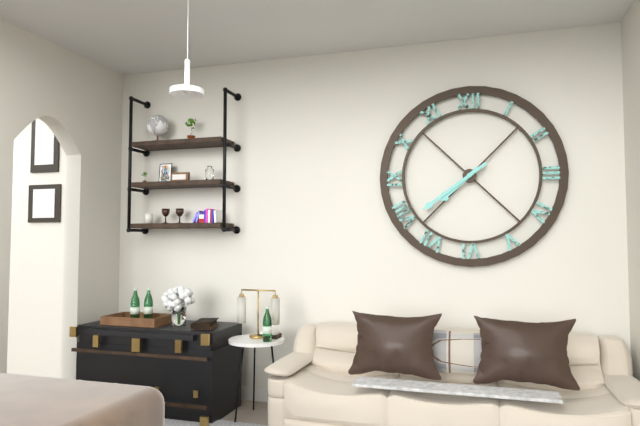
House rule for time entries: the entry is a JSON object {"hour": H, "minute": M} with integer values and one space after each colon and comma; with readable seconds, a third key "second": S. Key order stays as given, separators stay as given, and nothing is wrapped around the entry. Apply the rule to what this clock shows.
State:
{"hour": 7, "minute": 39}
